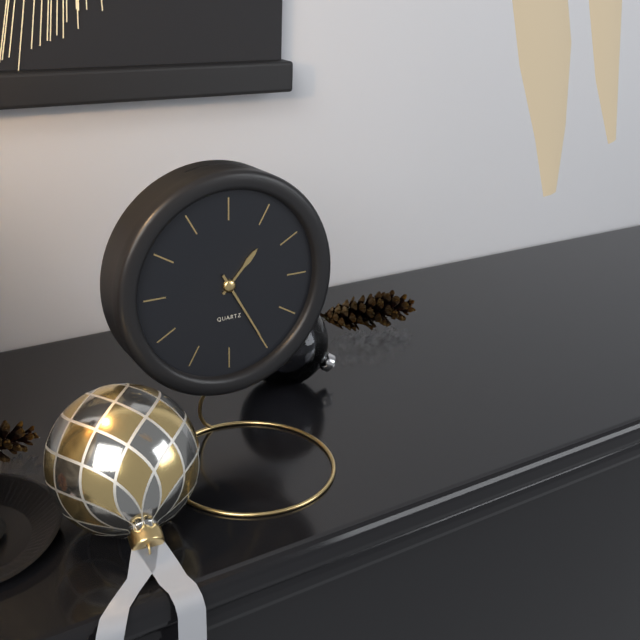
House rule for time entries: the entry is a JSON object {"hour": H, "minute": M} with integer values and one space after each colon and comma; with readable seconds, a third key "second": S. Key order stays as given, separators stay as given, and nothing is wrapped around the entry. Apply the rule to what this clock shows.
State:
{"hour": 1, "minute": 25}
